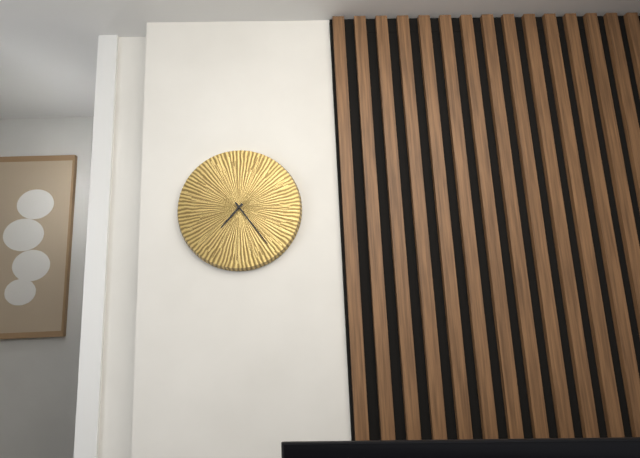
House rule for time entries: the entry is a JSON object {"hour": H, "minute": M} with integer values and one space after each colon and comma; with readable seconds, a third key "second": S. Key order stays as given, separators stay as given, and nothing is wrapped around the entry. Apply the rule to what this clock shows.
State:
{"hour": 7, "minute": 24}
